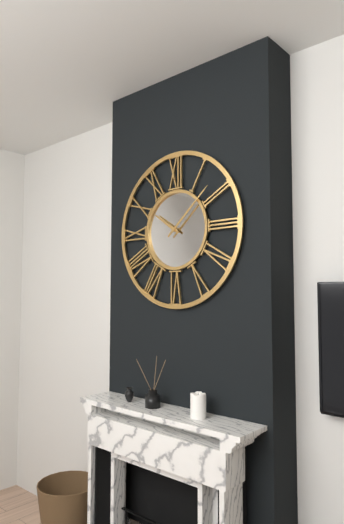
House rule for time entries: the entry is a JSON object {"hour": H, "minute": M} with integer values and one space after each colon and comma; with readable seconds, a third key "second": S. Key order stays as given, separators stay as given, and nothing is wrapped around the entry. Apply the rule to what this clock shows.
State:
{"hour": 10, "minute": 8}
